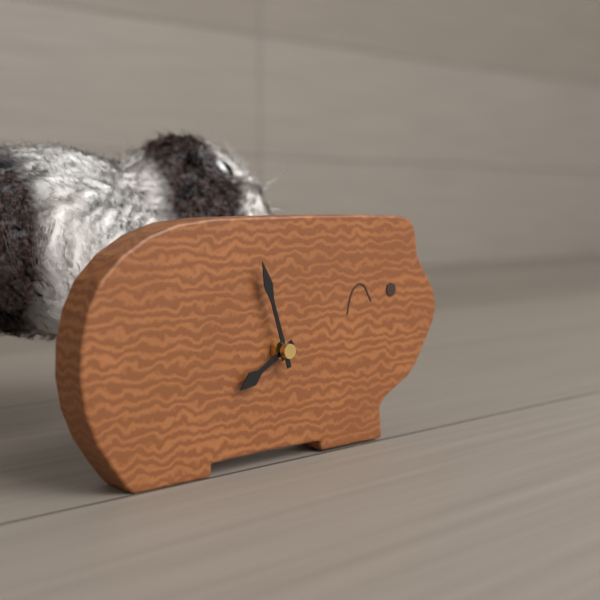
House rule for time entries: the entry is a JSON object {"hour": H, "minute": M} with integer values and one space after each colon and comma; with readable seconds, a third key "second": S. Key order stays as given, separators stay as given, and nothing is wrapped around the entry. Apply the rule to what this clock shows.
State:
{"hour": 7, "minute": 57}
